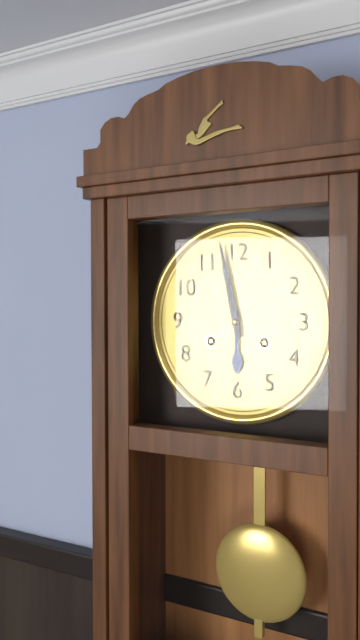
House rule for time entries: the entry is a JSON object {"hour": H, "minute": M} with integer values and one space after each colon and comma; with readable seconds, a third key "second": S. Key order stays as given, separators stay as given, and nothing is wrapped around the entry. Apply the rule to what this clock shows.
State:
{"hour": 5, "minute": 58}
